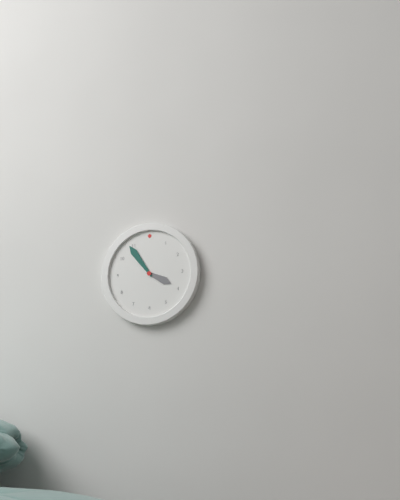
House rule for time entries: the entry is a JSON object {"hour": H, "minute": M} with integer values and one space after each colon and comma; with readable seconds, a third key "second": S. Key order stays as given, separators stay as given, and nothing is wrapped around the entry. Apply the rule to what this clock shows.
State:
{"hour": 3, "minute": 54}
